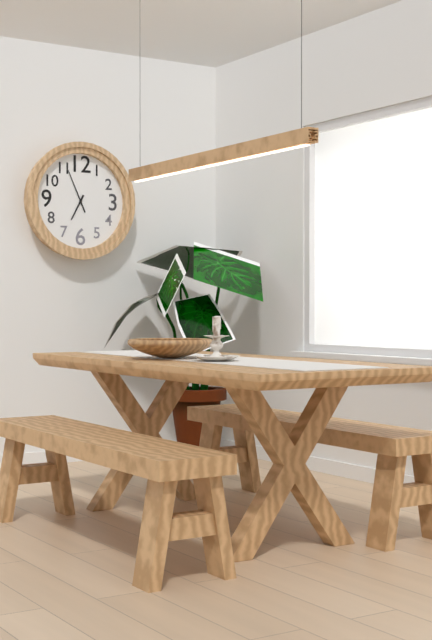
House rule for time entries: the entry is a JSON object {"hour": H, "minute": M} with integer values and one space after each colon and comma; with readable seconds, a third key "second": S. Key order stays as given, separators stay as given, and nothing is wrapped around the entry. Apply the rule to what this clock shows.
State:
{"hour": 6, "minute": 56}
